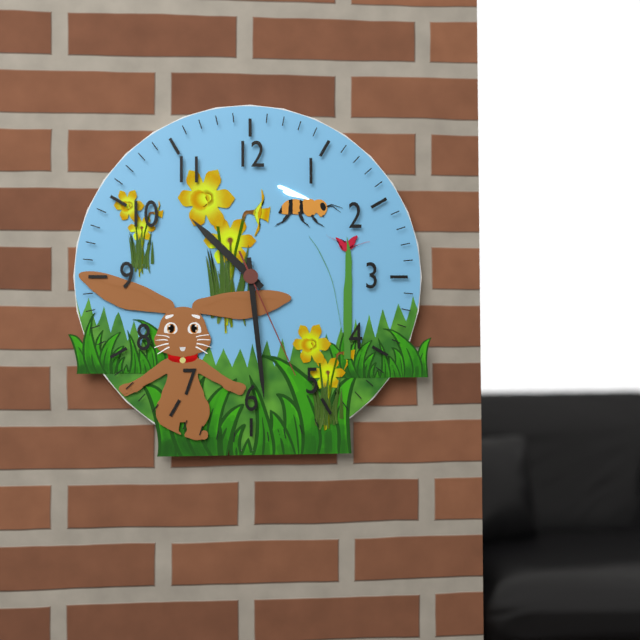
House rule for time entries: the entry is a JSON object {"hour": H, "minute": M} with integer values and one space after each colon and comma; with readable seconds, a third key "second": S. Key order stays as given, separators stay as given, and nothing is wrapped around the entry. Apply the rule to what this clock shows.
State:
{"hour": 10, "minute": 29, "second": 26}
